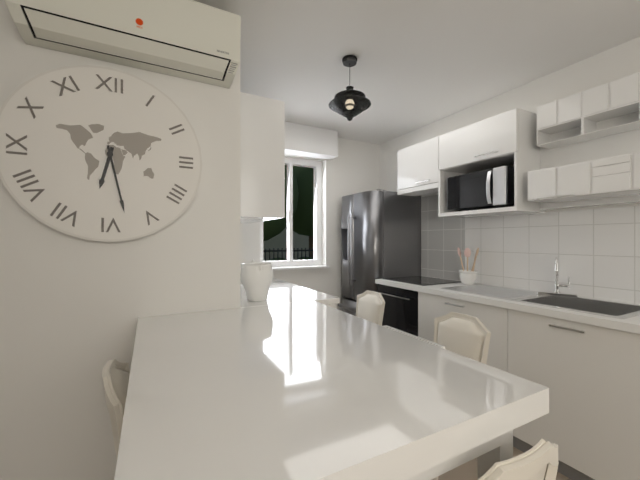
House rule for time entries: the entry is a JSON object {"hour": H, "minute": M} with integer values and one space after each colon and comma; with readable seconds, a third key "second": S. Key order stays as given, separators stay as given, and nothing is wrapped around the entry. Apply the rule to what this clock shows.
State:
{"hour": 6, "minute": 28}
